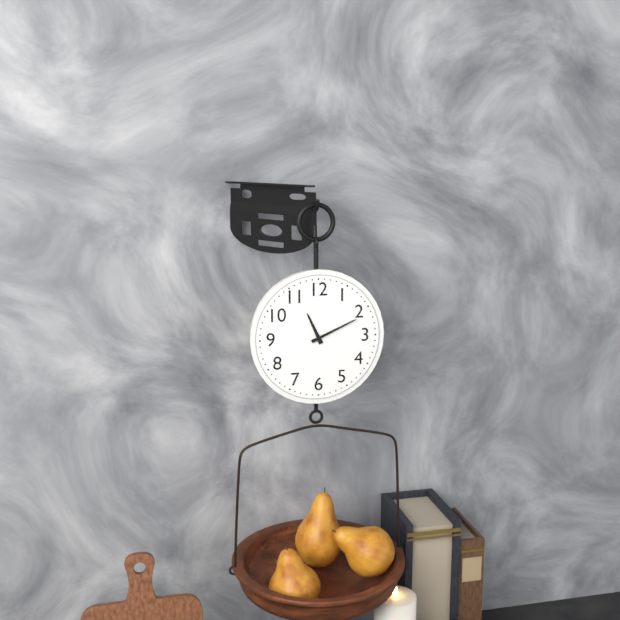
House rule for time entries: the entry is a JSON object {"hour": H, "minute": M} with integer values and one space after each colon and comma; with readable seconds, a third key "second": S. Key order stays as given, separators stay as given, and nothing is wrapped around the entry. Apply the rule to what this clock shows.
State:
{"hour": 11, "minute": 11}
